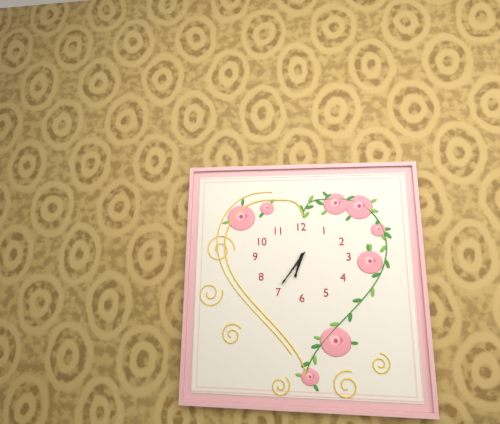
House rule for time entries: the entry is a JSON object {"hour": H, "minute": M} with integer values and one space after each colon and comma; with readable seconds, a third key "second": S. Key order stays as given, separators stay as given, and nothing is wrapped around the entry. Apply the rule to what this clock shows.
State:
{"hour": 6, "minute": 36}
